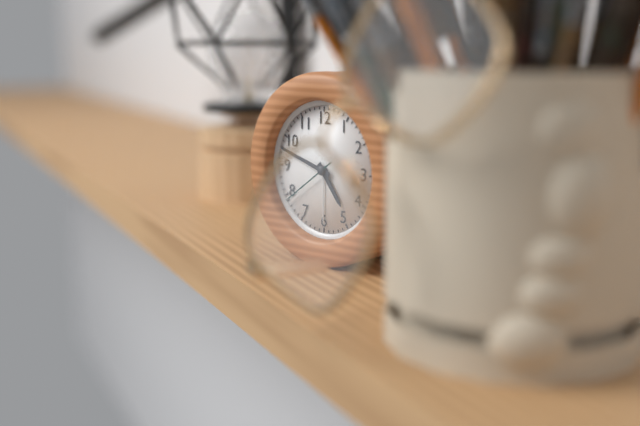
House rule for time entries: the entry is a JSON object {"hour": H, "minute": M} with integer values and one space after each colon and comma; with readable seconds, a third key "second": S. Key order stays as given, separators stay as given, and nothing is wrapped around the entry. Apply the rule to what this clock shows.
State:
{"hour": 4, "minute": 48, "second": 39}
